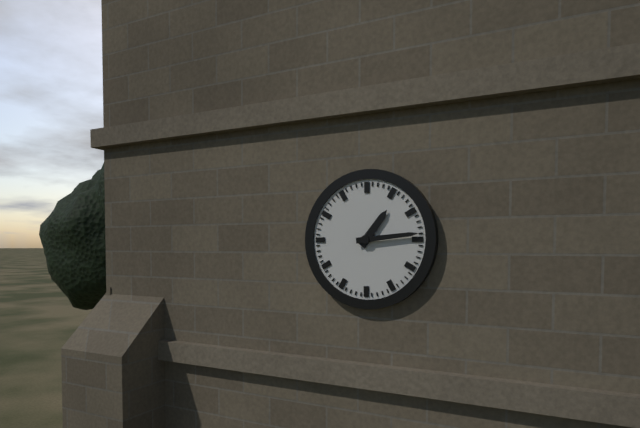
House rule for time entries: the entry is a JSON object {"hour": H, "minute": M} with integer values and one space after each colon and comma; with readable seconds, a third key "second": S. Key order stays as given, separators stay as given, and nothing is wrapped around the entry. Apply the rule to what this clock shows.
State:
{"hour": 1, "minute": 14}
